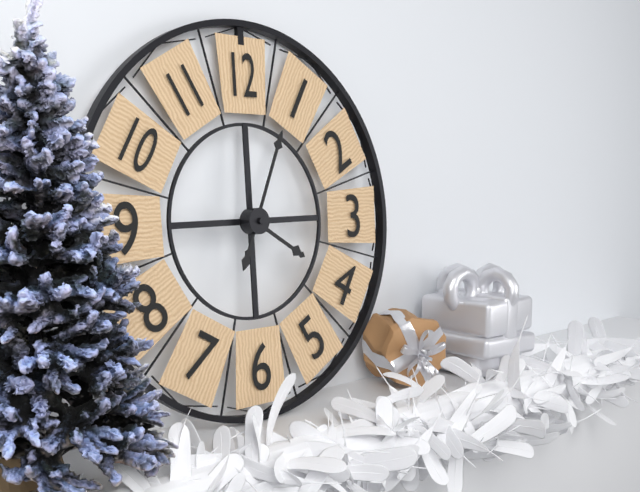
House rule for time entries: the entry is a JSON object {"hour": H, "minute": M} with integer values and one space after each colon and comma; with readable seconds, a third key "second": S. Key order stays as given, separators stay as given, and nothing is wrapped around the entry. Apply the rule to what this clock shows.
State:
{"hour": 4, "minute": 4}
